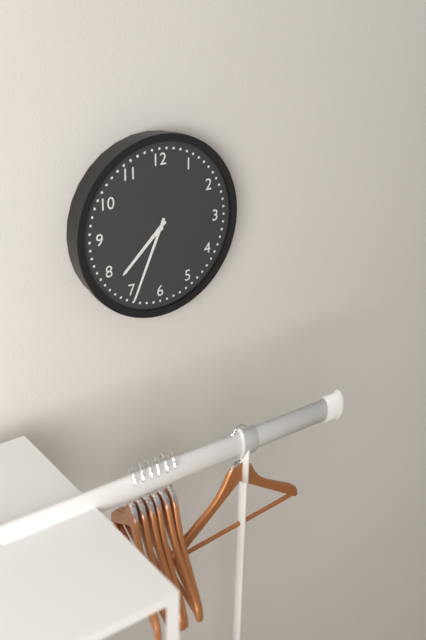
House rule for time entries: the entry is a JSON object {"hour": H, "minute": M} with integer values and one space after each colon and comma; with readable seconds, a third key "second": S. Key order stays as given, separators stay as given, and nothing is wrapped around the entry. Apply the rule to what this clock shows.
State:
{"hour": 7, "minute": 34}
